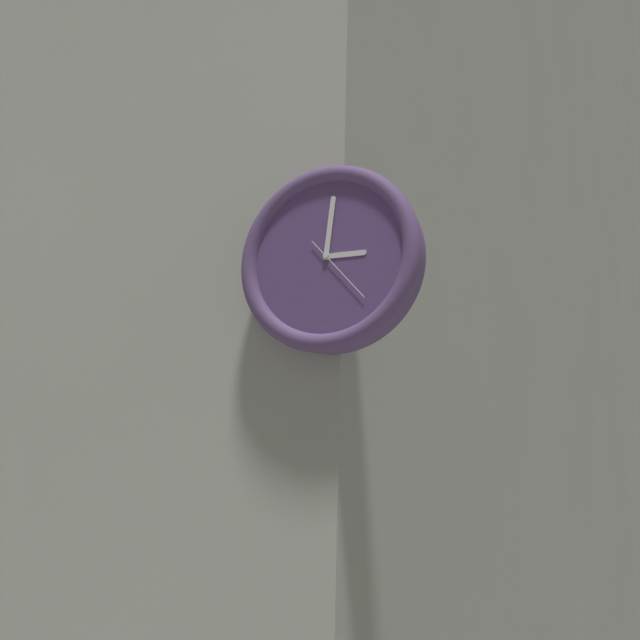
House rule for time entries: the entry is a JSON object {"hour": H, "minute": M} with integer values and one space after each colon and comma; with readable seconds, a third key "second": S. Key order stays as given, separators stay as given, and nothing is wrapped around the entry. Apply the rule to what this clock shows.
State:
{"hour": 3, "minute": 1, "second": 23}
